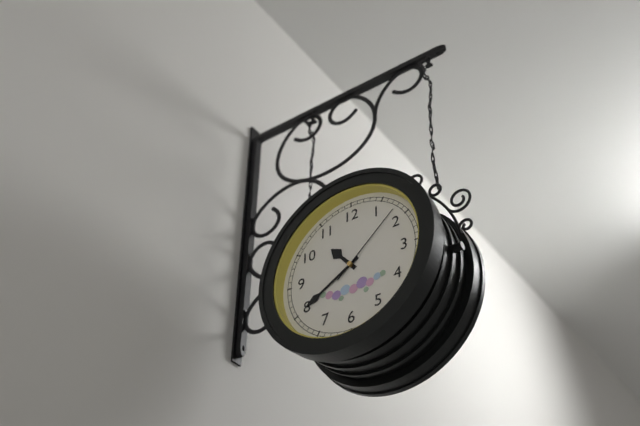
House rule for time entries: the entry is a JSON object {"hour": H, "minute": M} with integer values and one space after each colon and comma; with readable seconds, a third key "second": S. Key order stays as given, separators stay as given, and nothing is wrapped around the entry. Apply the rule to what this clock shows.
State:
{"hour": 10, "minute": 40, "second": 8}
